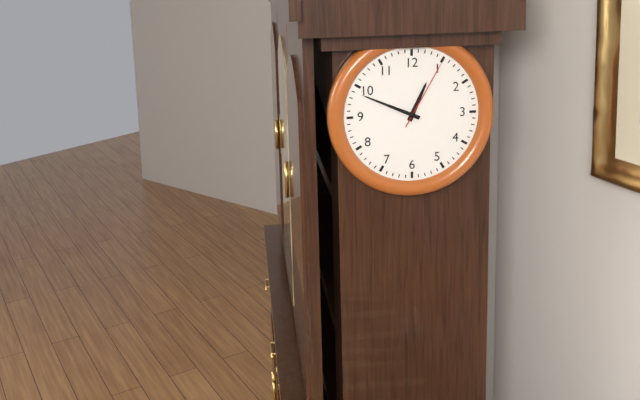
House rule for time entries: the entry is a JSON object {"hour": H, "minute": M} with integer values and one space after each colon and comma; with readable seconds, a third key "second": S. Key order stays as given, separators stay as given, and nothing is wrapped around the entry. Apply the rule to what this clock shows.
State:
{"hour": 12, "minute": 49, "second": 5}
